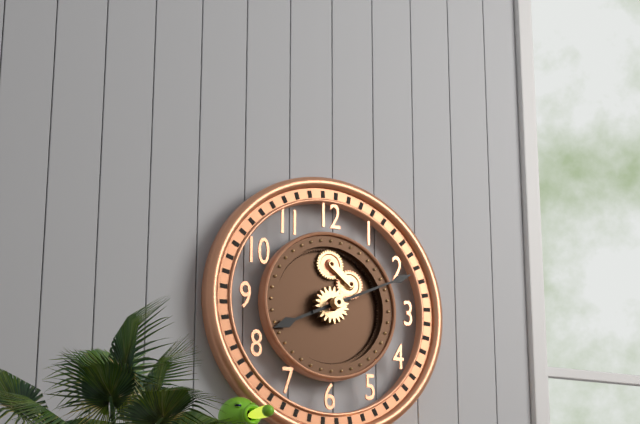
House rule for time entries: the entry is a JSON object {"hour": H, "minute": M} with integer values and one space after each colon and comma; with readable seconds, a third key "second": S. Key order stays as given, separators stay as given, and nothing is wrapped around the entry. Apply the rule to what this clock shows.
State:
{"hour": 8, "minute": 11}
